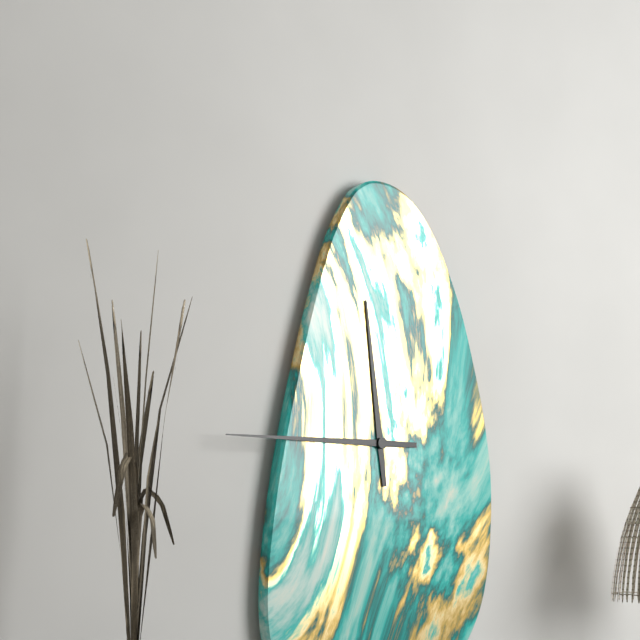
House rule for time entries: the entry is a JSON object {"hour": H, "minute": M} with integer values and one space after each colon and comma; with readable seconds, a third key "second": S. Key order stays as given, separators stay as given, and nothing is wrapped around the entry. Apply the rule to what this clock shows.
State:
{"hour": 11, "minute": 45}
